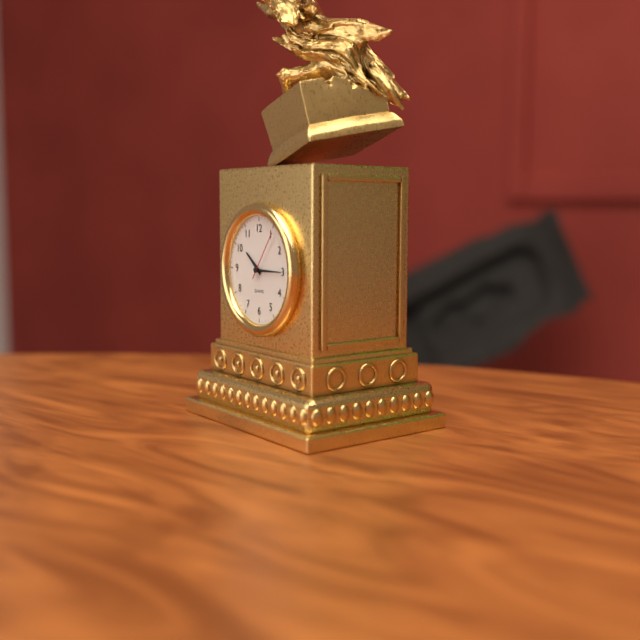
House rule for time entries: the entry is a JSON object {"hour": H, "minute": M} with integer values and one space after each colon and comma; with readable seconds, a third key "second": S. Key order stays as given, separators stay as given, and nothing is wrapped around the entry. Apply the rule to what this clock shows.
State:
{"hour": 10, "minute": 15}
